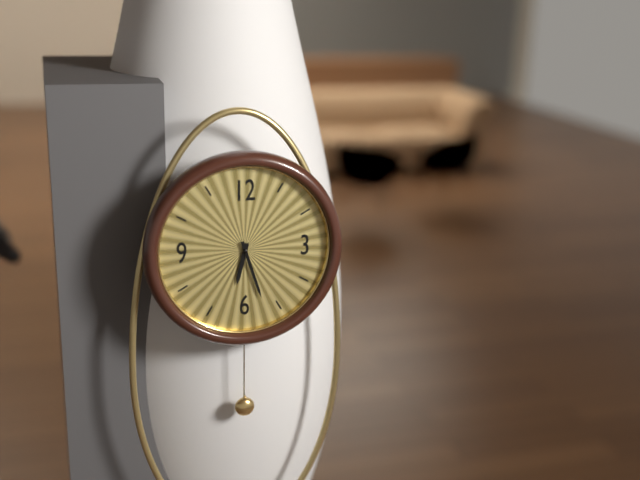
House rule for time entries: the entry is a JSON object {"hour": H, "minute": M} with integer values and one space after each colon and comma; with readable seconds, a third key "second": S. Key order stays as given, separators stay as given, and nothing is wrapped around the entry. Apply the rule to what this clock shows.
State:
{"hour": 6, "minute": 27}
